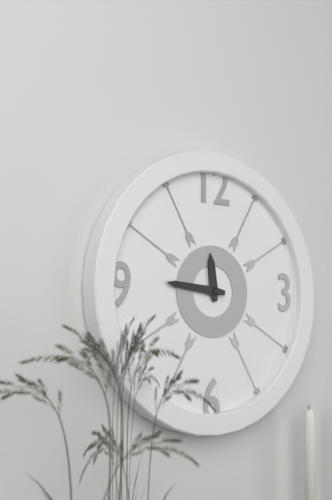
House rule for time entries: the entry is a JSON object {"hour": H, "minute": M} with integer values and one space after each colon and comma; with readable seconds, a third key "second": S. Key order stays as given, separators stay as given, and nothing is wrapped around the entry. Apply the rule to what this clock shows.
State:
{"hour": 11, "minute": 46}
